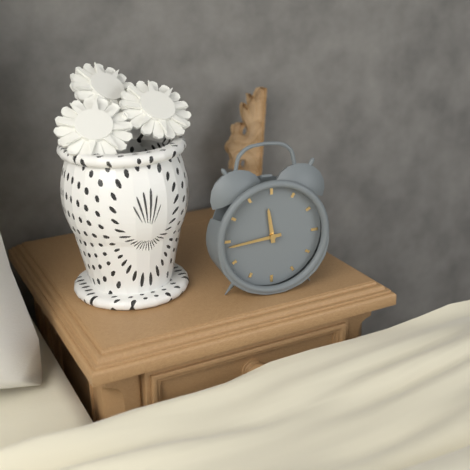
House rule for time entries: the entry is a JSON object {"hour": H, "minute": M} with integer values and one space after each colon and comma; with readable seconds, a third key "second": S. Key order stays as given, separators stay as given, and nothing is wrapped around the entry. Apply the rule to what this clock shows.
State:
{"hour": 11, "minute": 44}
